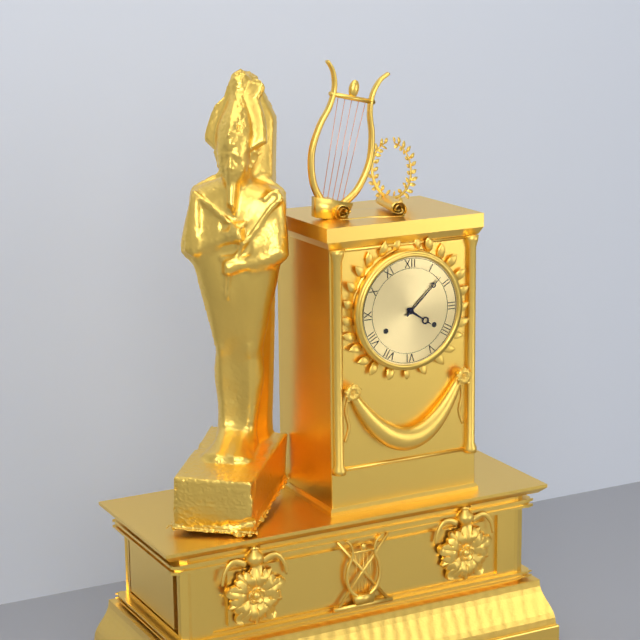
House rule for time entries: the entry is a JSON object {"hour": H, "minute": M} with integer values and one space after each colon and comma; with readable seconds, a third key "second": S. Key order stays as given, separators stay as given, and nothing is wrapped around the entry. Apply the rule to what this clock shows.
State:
{"hour": 4, "minute": 8}
